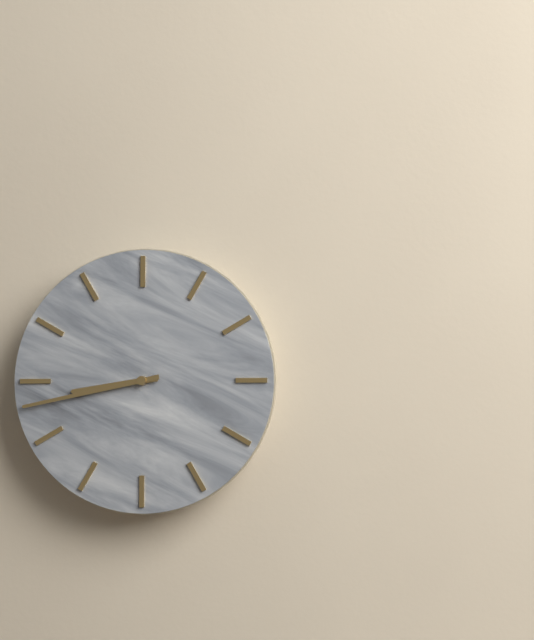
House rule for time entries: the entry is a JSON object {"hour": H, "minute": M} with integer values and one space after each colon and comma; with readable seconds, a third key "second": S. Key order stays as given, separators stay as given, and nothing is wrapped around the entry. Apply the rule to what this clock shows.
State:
{"hour": 8, "minute": 43}
